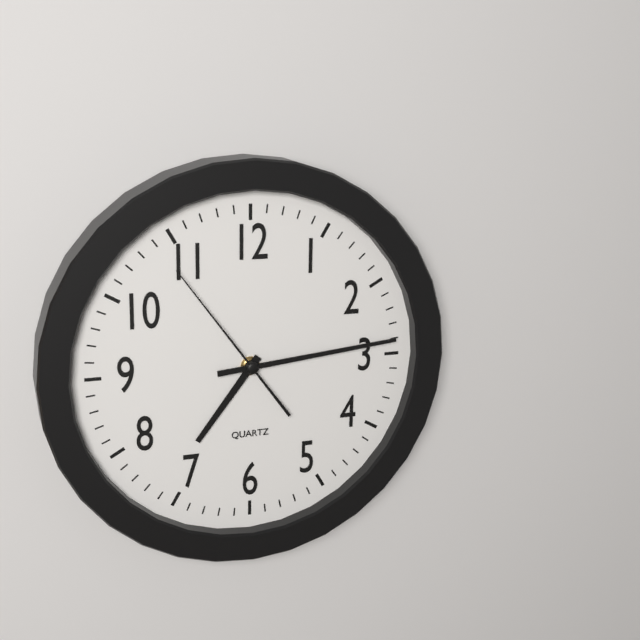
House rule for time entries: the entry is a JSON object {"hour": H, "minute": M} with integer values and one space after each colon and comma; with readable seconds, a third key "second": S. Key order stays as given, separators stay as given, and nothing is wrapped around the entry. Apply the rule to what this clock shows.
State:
{"hour": 7, "minute": 14, "second": 54}
